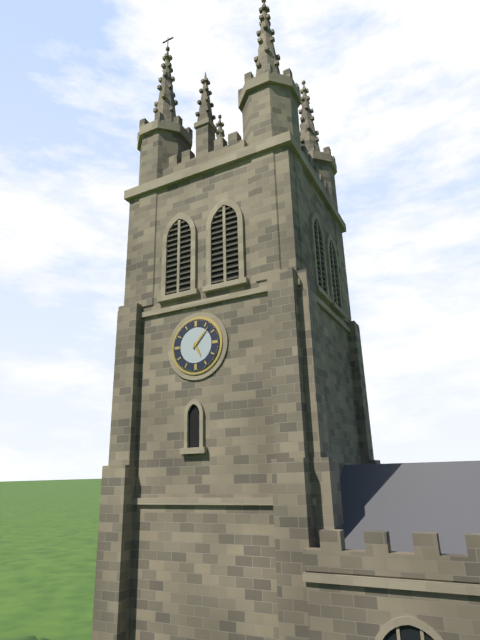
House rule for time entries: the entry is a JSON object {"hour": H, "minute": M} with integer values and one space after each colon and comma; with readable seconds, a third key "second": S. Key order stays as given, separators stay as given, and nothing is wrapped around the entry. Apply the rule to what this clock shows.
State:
{"hour": 5, "minute": 7}
